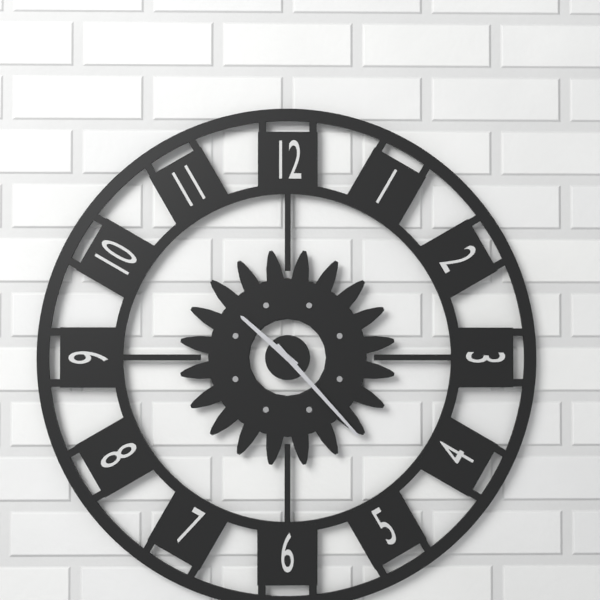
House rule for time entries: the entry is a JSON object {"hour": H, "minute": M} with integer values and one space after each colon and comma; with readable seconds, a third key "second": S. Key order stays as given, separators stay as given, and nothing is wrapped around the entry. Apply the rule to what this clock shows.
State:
{"hour": 10, "minute": 23}
